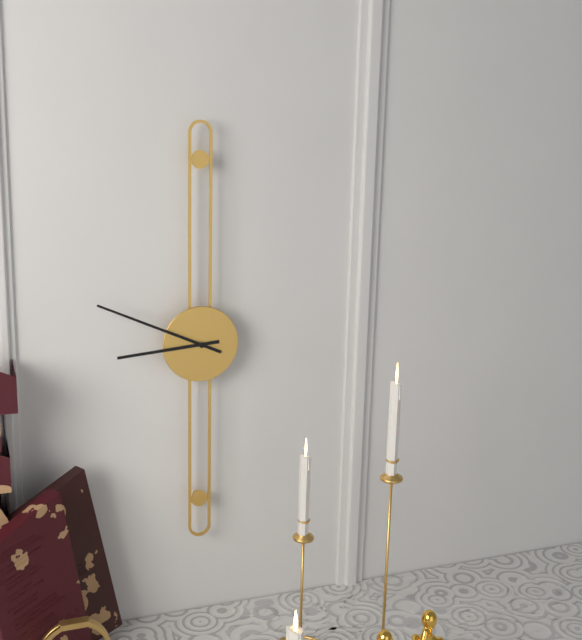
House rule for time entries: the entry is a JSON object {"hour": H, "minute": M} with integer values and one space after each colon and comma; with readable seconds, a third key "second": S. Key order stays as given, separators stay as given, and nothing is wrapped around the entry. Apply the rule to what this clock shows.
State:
{"hour": 8, "minute": 49}
